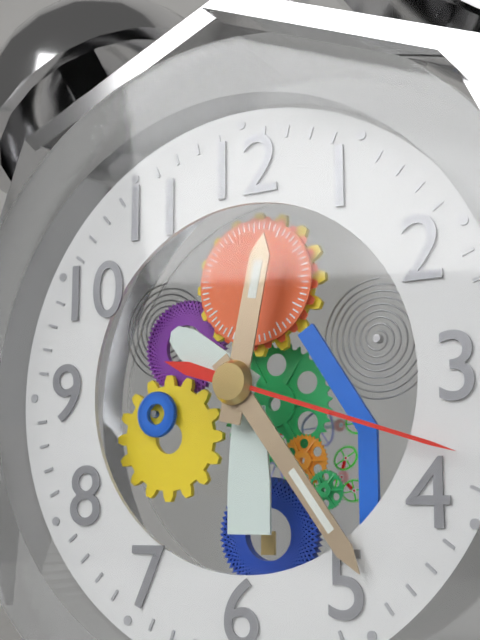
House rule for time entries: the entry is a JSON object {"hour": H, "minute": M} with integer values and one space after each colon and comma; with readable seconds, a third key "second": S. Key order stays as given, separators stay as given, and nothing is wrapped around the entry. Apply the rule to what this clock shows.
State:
{"hour": 12, "minute": 24, "second": 18}
